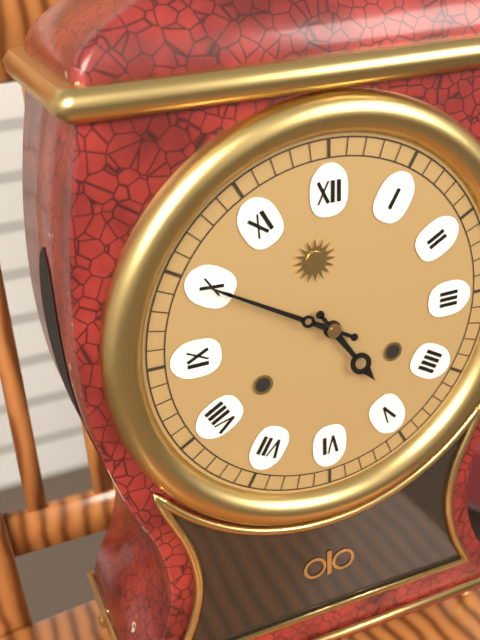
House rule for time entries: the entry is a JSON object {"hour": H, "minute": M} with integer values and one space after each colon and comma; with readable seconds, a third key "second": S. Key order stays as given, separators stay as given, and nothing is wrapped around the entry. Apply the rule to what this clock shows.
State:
{"hour": 4, "minute": 50}
